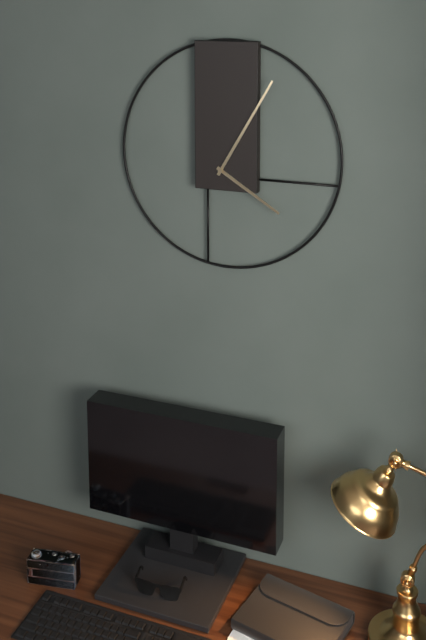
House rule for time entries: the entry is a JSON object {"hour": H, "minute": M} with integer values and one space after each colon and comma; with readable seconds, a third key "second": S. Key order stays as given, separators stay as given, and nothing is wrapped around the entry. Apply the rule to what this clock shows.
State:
{"hour": 4, "minute": 5}
